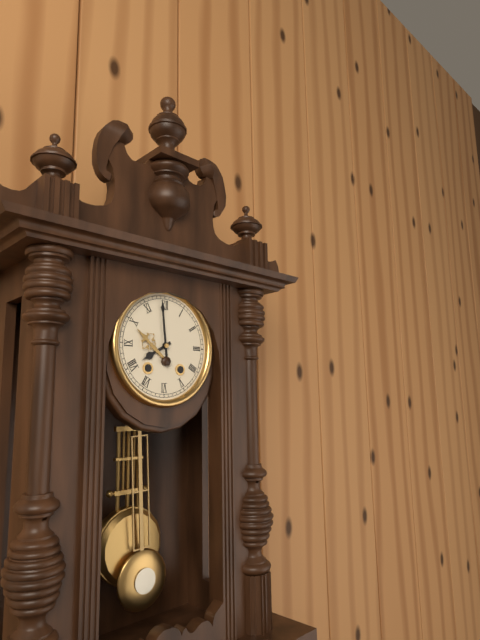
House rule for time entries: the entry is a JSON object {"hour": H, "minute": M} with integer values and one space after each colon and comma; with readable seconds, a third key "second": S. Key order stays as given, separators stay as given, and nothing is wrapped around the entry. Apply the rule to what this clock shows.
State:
{"hour": 7, "minute": 59}
